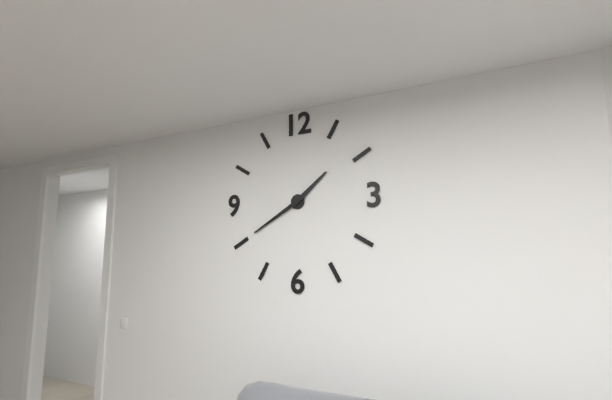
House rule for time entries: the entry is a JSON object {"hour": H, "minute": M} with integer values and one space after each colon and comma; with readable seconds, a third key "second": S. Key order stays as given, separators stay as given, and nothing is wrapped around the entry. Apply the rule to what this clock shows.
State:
{"hour": 1, "minute": 40}
